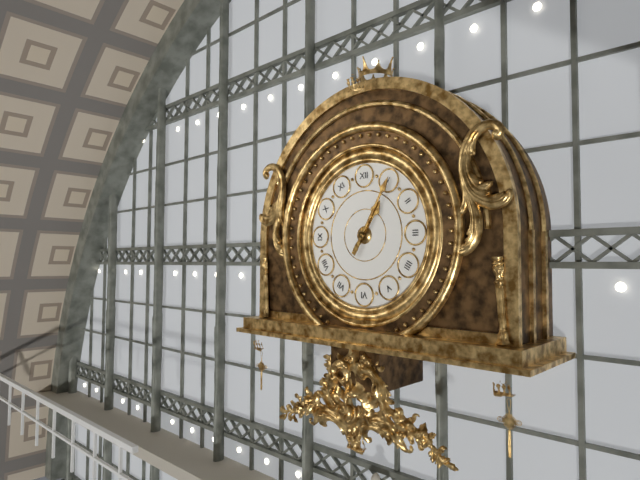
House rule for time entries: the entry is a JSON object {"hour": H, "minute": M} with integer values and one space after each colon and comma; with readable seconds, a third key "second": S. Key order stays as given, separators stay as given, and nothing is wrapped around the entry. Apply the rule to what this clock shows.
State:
{"hour": 1, "minute": 5}
